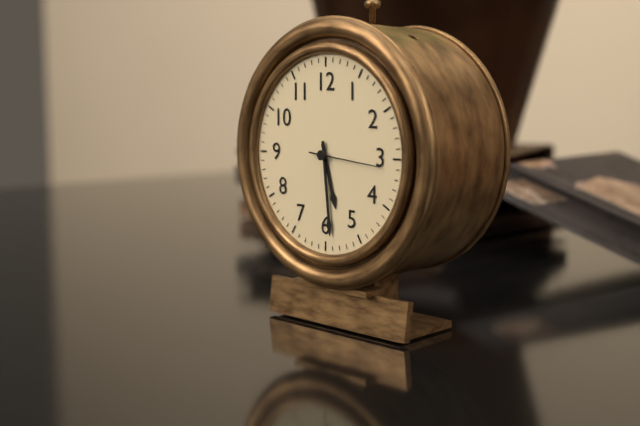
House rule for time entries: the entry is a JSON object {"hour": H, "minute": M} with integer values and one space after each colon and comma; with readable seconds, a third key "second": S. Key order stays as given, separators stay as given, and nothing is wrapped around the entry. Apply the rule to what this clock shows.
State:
{"hour": 5, "minute": 29, "second": 16}
